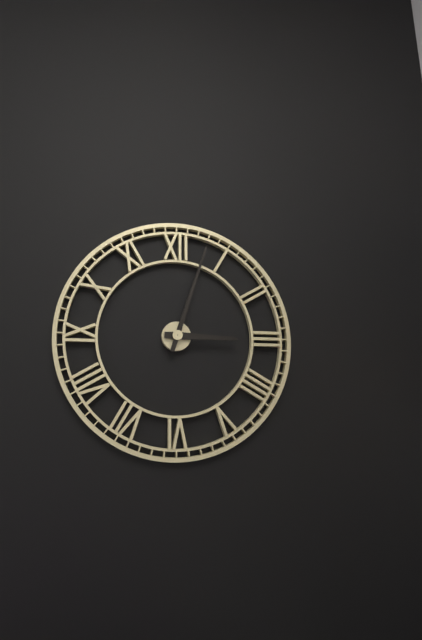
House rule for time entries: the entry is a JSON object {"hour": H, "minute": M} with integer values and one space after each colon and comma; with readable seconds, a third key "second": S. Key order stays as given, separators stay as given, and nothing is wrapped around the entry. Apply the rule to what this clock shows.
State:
{"hour": 3, "minute": 3}
